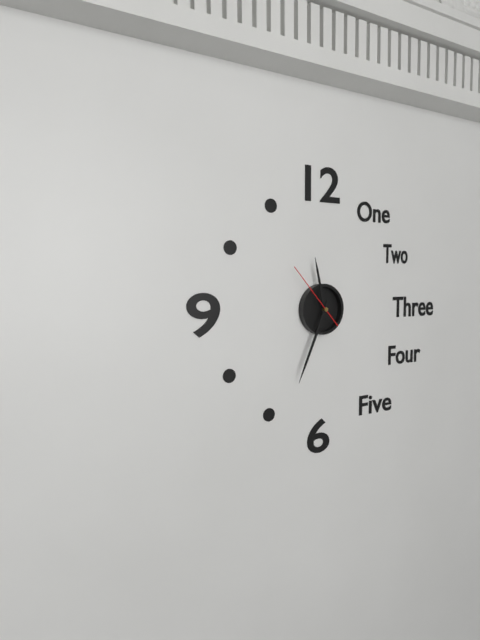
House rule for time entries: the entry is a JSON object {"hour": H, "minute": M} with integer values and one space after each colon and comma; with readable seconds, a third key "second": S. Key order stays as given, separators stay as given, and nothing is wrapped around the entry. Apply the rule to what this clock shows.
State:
{"hour": 11, "minute": 34, "second": 53}
